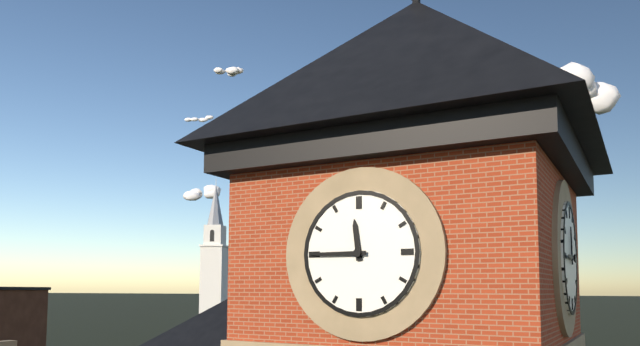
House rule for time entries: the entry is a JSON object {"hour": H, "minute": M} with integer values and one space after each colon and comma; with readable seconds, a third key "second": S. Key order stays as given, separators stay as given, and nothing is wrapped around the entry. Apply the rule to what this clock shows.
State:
{"hour": 11, "minute": 45}
